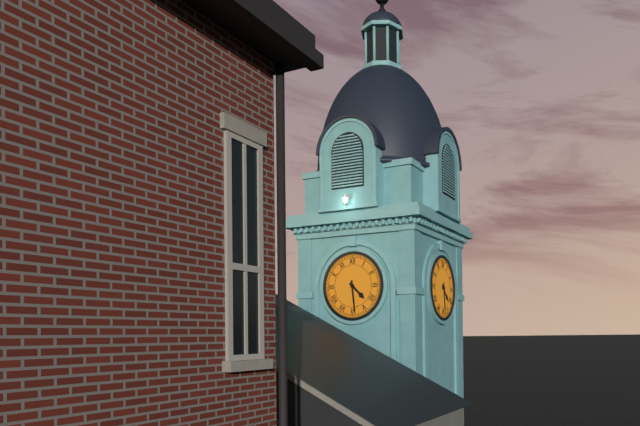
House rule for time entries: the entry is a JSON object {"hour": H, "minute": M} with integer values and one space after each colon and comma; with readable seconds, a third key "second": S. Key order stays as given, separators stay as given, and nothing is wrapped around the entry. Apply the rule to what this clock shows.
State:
{"hour": 4, "minute": 29}
